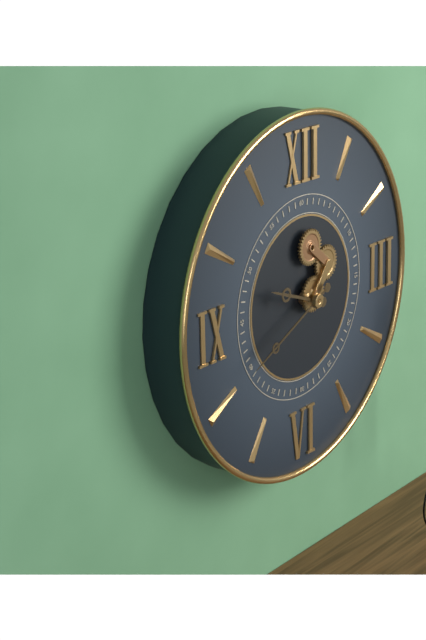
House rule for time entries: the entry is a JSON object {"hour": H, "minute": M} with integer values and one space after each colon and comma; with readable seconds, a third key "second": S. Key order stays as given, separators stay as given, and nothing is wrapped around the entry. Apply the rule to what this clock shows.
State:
{"hour": 9, "minute": 41}
